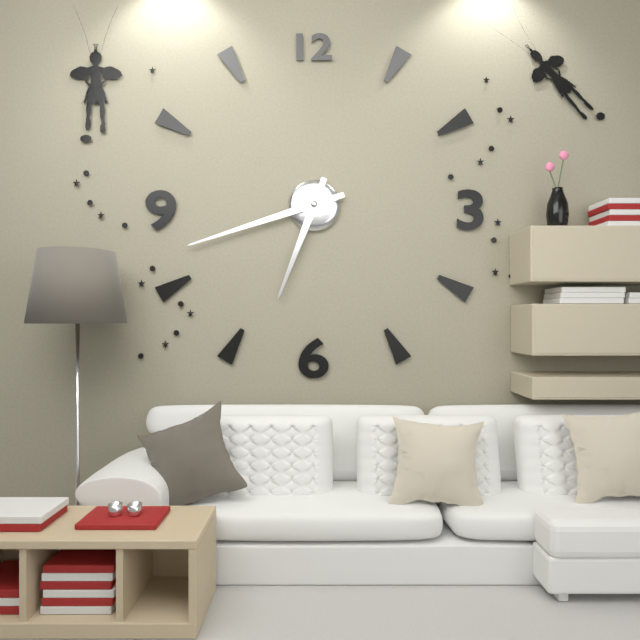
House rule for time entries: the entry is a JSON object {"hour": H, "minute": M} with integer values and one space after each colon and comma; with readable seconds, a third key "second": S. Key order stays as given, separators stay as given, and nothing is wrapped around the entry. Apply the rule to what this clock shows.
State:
{"hour": 6, "minute": 42}
